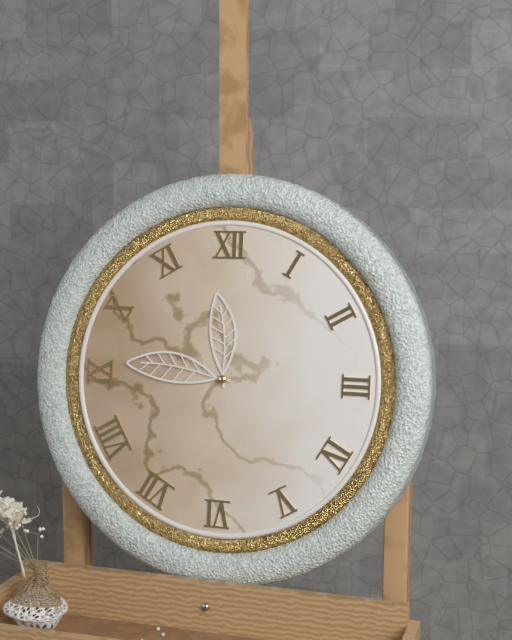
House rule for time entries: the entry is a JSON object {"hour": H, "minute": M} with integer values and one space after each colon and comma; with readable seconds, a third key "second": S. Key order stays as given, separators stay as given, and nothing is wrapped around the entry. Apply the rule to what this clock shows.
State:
{"hour": 11, "minute": 46}
